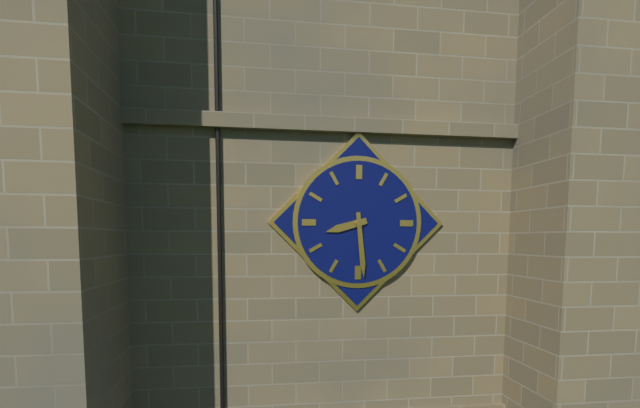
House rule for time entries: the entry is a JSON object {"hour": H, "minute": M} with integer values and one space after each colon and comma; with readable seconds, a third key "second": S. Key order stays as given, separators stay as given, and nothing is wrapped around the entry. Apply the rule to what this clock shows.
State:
{"hour": 8, "minute": 29}
